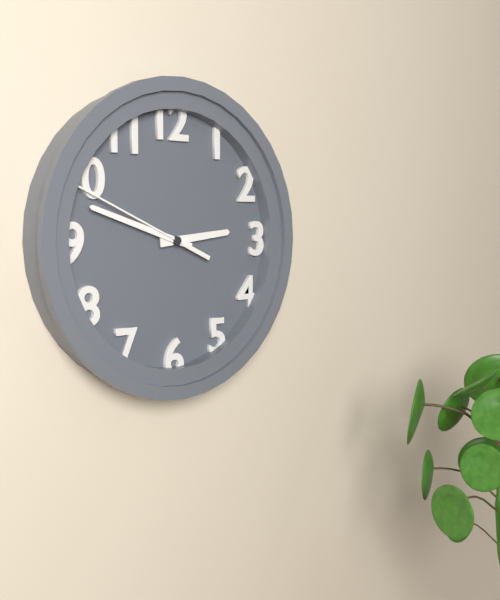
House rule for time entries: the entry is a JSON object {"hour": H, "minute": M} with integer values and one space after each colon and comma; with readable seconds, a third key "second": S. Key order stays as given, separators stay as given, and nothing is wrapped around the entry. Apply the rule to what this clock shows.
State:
{"hour": 2, "minute": 48, "second": 49}
